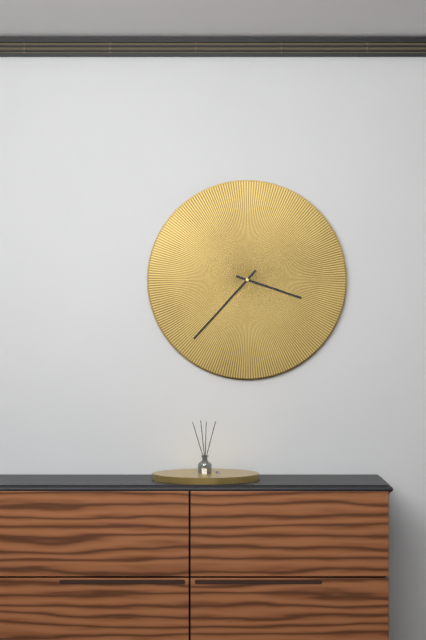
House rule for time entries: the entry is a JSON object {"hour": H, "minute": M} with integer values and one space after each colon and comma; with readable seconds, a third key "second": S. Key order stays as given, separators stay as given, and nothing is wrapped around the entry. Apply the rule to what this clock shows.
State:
{"hour": 3, "minute": 37}
